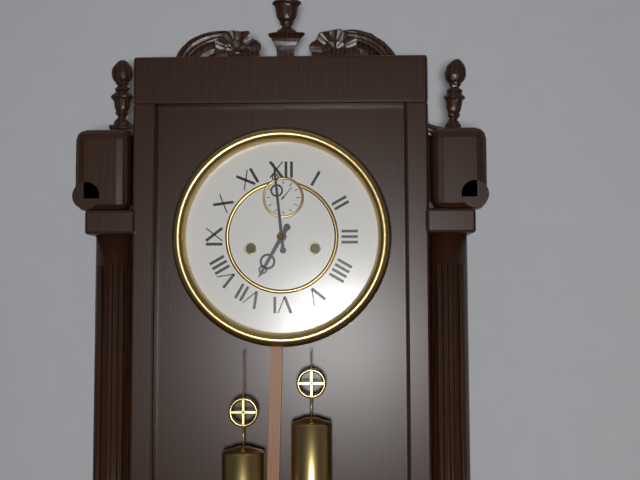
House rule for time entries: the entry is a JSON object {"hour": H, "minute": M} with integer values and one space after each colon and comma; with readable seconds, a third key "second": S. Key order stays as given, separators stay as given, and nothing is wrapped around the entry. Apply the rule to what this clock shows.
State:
{"hour": 6, "minute": 59}
